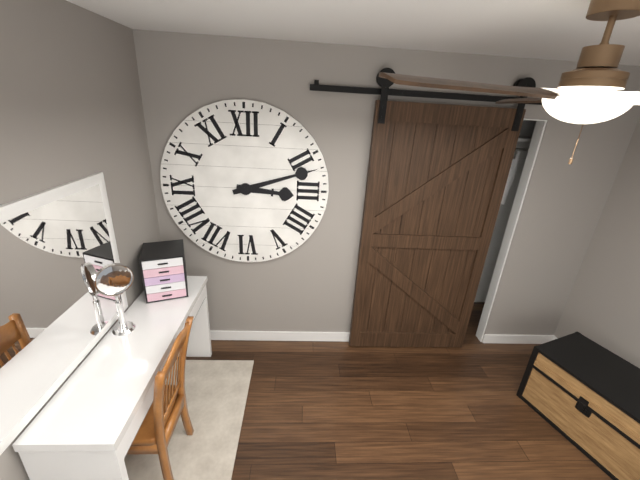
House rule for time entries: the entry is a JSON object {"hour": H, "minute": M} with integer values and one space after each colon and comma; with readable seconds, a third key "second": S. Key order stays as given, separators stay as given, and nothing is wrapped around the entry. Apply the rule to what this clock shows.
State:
{"hour": 3, "minute": 12}
